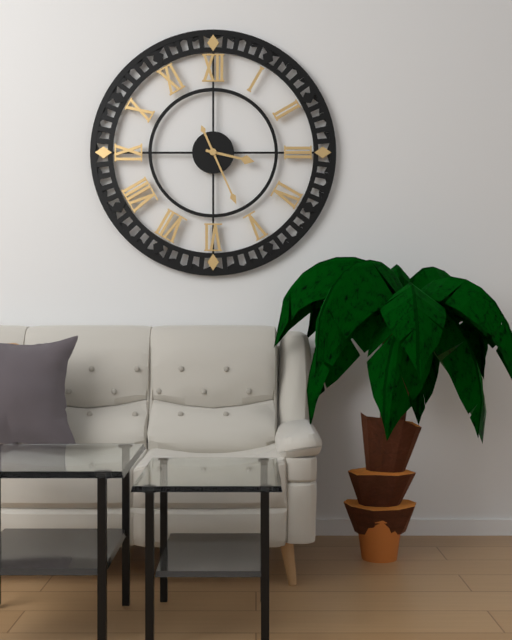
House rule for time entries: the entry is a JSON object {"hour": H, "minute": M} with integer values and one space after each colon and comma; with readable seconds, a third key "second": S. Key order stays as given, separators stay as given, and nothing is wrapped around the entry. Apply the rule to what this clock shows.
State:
{"hour": 3, "minute": 26}
